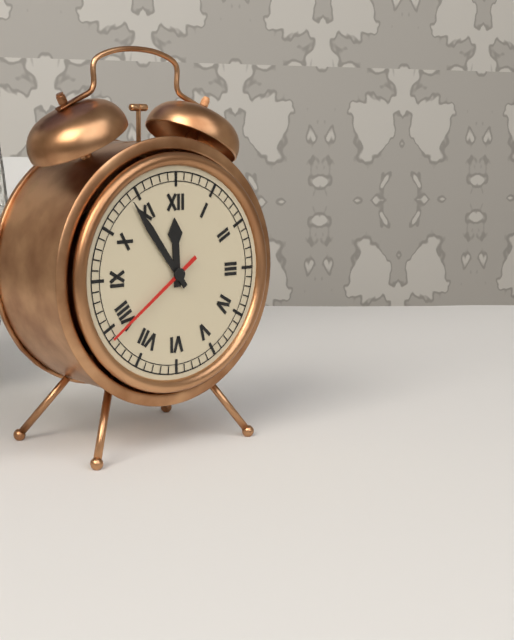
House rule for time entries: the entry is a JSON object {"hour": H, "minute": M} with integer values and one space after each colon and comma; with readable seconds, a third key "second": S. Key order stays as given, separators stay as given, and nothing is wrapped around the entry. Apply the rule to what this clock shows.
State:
{"hour": 11, "minute": 54, "second": 39}
